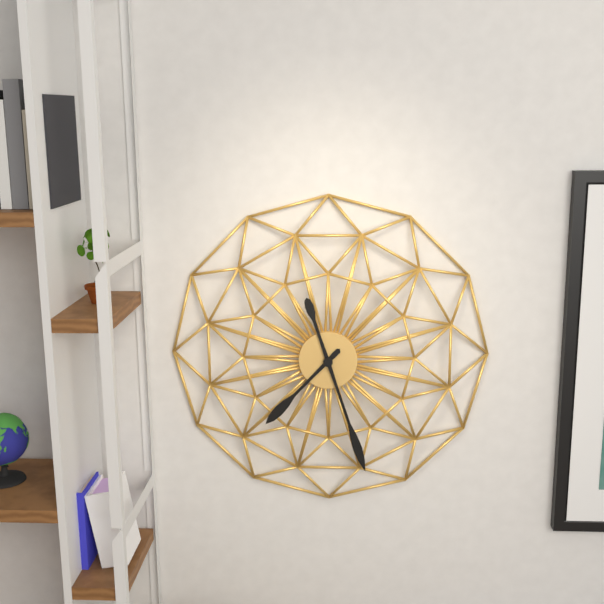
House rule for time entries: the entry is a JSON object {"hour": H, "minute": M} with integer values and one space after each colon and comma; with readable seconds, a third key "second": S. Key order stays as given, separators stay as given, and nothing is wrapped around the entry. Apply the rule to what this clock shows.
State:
{"hour": 7, "minute": 27}
